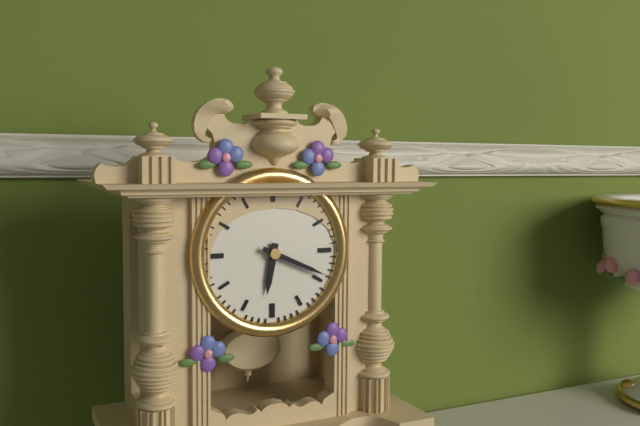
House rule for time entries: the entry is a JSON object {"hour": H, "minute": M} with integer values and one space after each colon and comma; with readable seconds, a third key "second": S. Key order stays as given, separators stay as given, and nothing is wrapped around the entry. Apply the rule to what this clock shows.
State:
{"hour": 6, "minute": 19}
